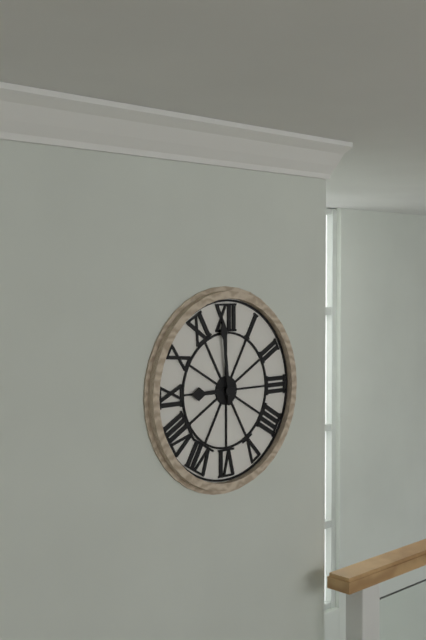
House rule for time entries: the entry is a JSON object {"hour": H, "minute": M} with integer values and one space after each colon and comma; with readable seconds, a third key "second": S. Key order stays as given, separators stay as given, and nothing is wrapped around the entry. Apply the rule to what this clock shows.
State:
{"hour": 8, "minute": 59}
